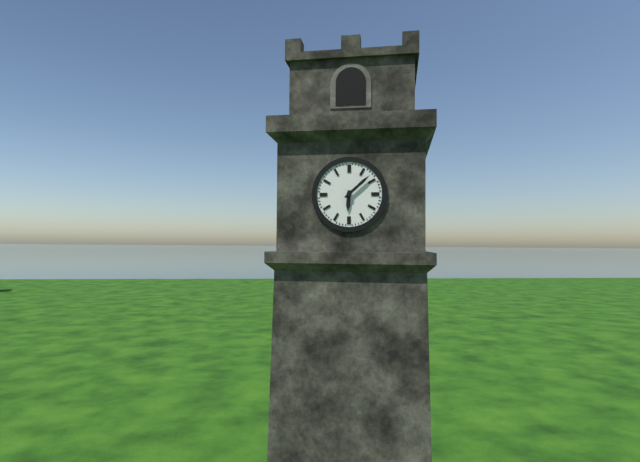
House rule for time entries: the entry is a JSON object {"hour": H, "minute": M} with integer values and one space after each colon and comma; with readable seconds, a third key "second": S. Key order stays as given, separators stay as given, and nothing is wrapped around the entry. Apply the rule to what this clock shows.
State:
{"hour": 6, "minute": 8}
